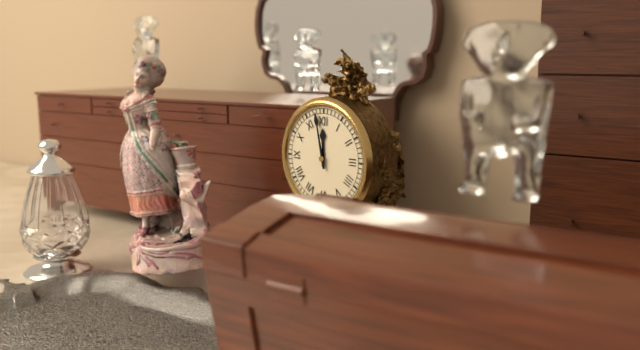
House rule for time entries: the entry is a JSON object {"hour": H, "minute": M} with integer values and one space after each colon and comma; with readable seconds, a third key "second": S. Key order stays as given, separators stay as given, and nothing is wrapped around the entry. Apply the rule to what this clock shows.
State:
{"hour": 11, "minute": 58}
